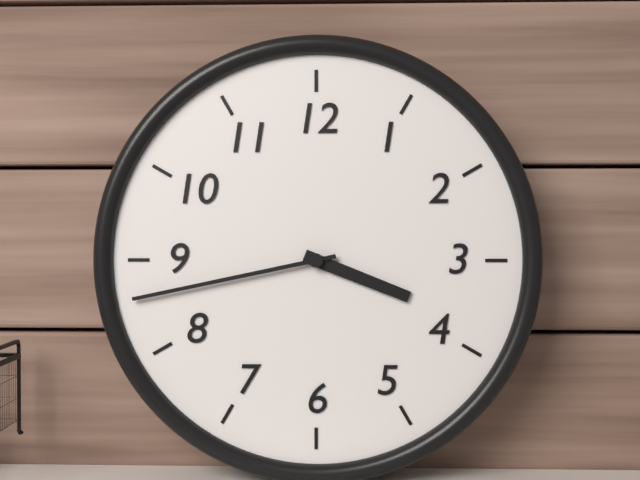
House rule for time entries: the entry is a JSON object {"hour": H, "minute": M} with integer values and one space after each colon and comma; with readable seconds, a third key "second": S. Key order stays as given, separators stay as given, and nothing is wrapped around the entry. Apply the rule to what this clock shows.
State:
{"hour": 3, "minute": 43}
